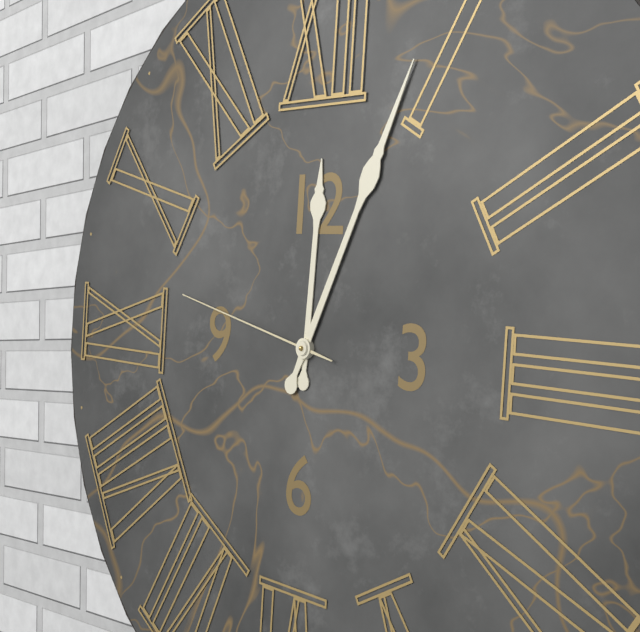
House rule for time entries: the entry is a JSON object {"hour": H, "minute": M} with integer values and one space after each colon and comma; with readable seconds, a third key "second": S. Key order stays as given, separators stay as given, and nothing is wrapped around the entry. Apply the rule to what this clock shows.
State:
{"hour": 12, "minute": 4, "second": 47}
